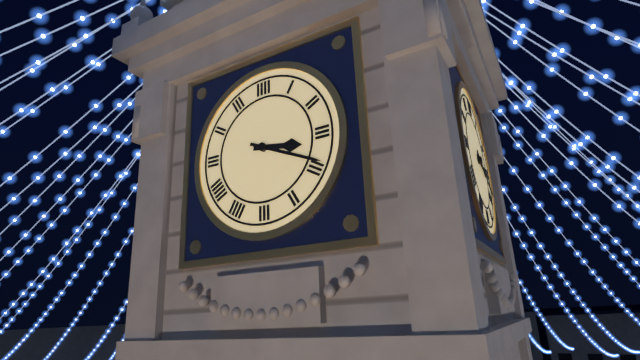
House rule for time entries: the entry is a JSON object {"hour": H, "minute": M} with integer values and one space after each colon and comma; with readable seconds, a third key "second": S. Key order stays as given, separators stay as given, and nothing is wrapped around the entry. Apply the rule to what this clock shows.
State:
{"hour": 3, "minute": 19}
